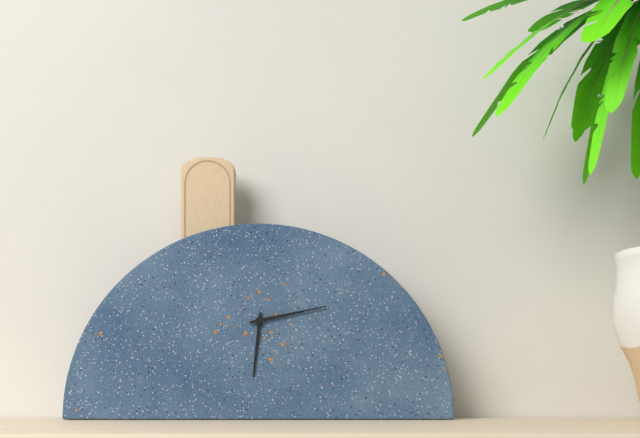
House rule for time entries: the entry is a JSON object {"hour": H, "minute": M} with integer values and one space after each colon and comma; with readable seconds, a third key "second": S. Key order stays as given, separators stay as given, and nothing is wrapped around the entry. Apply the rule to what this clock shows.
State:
{"hour": 6, "minute": 13}
